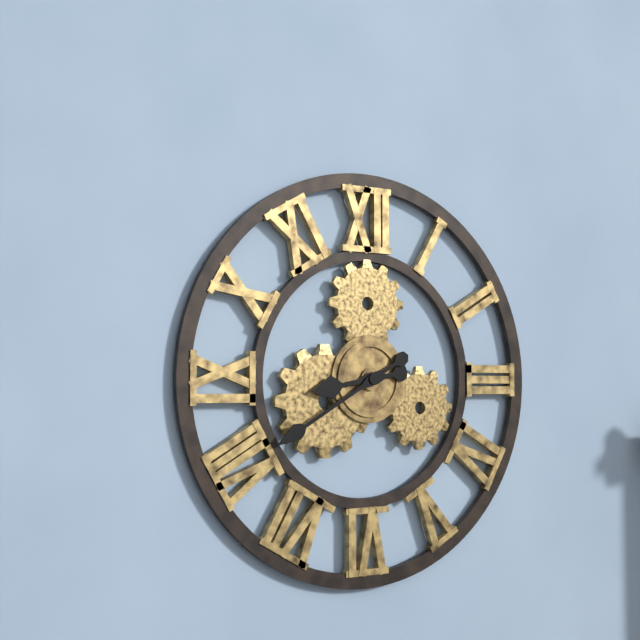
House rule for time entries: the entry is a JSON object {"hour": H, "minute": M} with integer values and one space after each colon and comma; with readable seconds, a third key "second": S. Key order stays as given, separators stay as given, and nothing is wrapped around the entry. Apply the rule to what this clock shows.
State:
{"hour": 8, "minute": 40}
